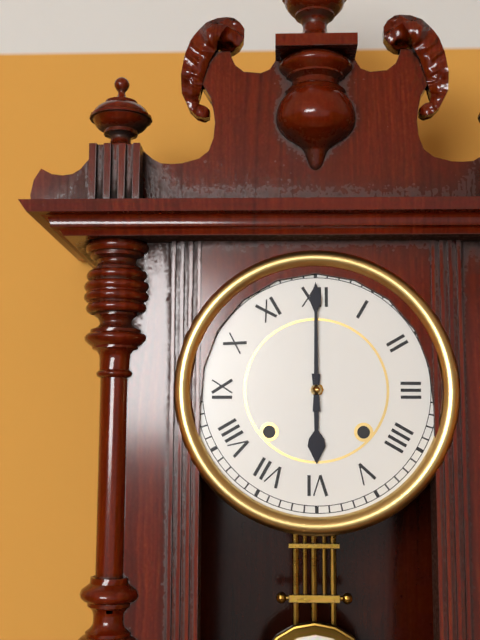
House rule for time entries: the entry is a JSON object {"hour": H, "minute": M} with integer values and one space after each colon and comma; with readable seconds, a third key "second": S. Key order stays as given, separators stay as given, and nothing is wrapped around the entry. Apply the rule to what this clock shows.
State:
{"hour": 6, "minute": 0}
